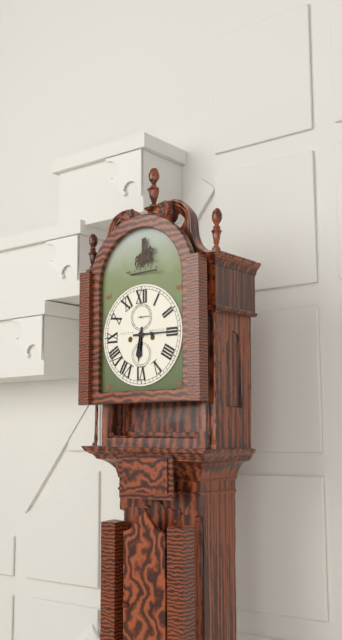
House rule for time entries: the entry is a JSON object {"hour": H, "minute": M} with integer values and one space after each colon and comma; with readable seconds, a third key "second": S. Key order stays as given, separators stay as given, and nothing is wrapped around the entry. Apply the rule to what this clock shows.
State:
{"hour": 6, "minute": 15}
